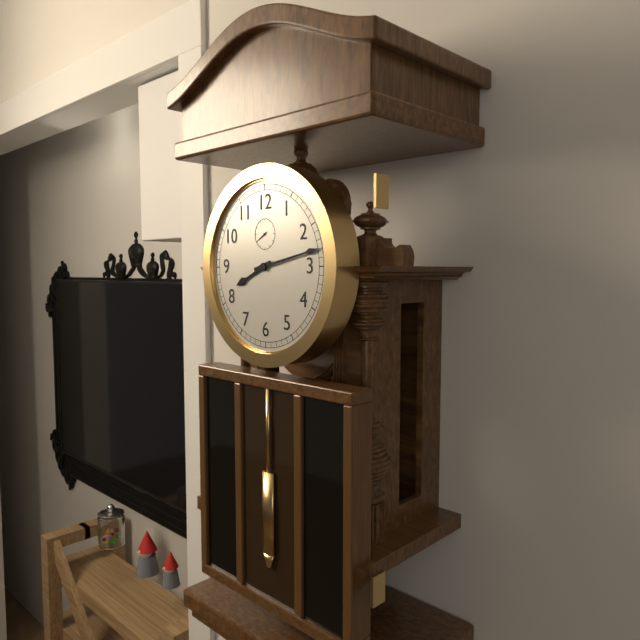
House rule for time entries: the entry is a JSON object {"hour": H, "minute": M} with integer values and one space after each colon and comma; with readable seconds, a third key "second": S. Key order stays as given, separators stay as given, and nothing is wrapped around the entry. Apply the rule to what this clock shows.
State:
{"hour": 8, "minute": 13}
